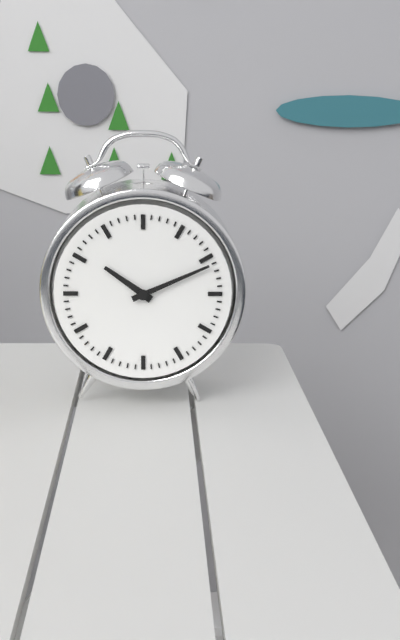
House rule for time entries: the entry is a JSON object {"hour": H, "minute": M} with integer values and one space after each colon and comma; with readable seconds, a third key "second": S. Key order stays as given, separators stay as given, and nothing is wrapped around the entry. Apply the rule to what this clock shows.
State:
{"hour": 10, "minute": 11}
